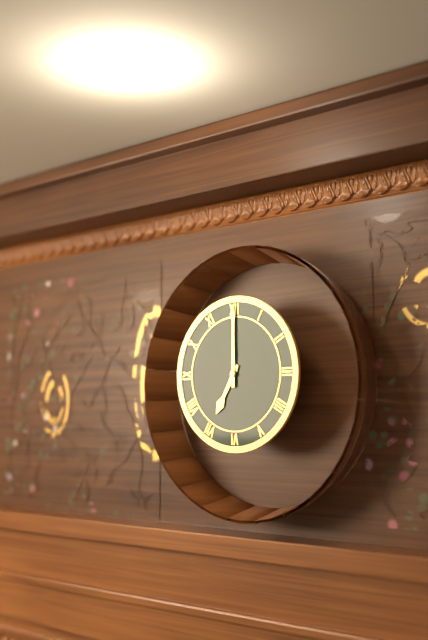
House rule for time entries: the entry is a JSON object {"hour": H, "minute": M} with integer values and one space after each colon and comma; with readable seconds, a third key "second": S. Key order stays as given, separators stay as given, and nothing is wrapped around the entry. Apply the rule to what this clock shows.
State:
{"hour": 7, "minute": 0}
